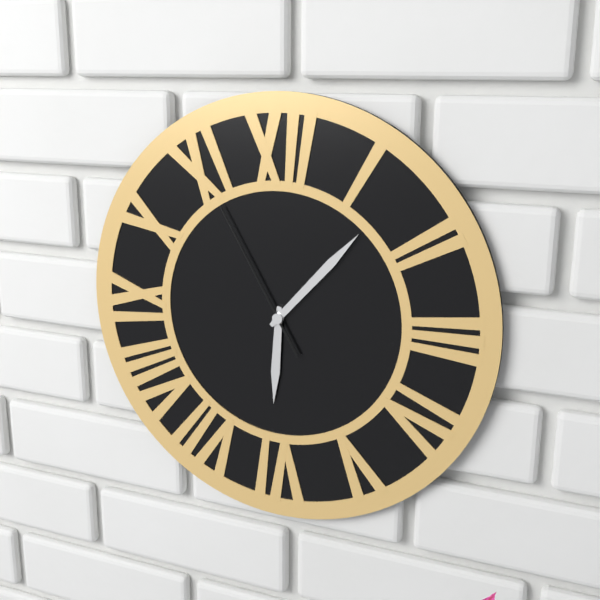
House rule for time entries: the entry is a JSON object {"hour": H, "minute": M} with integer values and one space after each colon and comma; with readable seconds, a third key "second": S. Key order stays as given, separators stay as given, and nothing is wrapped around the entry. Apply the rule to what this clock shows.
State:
{"hour": 6, "minute": 7, "second": 55}
